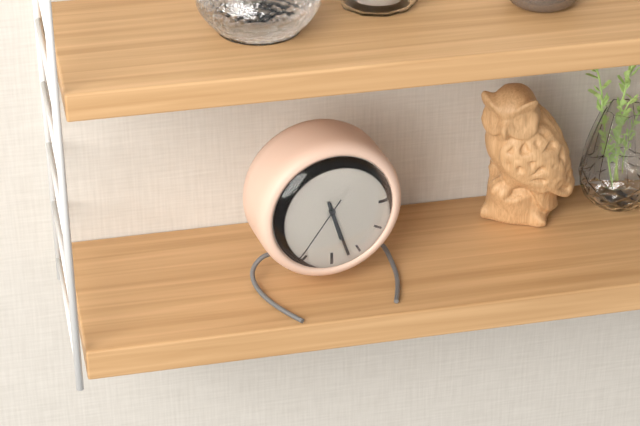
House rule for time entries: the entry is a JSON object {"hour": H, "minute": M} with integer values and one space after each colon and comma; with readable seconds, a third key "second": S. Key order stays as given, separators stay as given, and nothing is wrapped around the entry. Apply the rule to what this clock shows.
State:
{"hour": 5, "minute": 27, "second": 36}
